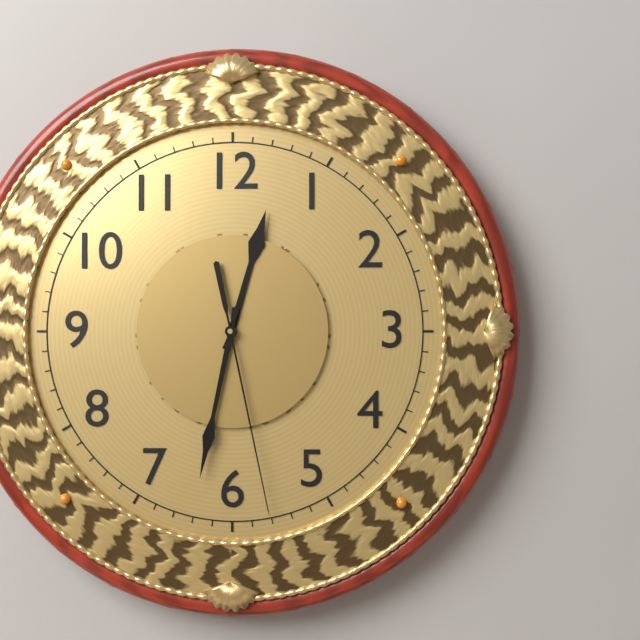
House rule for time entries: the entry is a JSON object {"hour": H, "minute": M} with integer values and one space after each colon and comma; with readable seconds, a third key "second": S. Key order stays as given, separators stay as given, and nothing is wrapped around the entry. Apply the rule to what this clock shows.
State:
{"hour": 12, "minute": 32, "second": 28}
